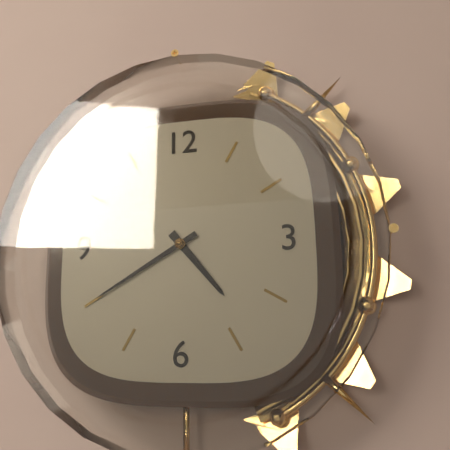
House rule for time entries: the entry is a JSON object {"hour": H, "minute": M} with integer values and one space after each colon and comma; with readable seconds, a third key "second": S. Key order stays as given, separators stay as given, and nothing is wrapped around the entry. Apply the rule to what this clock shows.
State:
{"hour": 4, "minute": 40}
